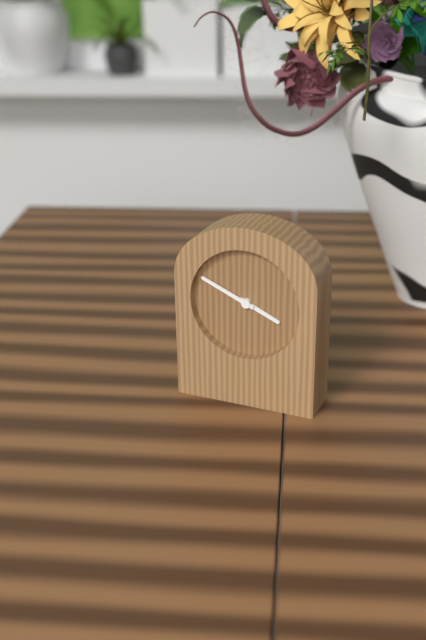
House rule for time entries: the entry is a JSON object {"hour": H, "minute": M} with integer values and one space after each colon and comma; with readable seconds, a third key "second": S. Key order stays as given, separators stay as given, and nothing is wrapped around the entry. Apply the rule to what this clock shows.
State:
{"hour": 3, "minute": 49}
